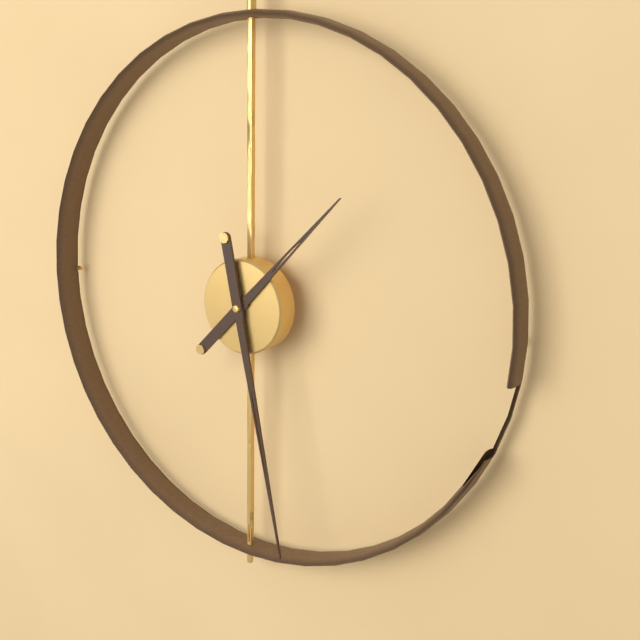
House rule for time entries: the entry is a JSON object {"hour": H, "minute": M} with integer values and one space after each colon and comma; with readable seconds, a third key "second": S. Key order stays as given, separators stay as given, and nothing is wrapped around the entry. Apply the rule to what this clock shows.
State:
{"hour": 1, "minute": 28}
